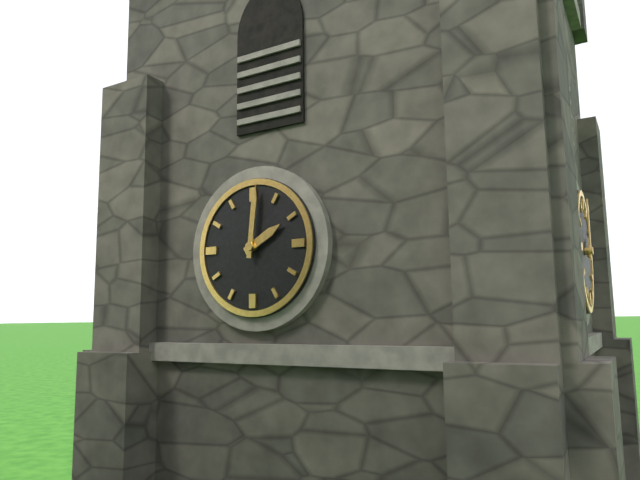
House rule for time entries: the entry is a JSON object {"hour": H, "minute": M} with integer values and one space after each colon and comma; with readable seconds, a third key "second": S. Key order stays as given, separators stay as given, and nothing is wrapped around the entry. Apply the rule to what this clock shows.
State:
{"hour": 2, "minute": 1}
